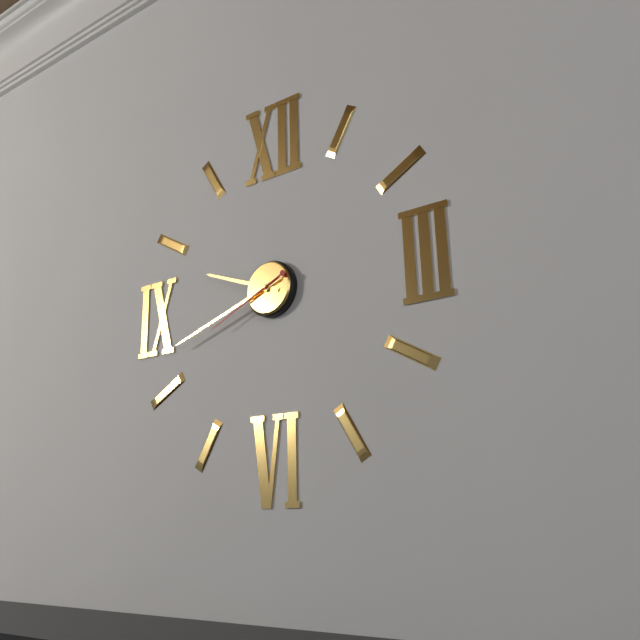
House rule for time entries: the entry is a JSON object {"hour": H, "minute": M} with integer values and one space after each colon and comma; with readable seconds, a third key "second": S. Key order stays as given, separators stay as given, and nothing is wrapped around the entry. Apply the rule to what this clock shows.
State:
{"hour": 9, "minute": 42, "second": 41}
